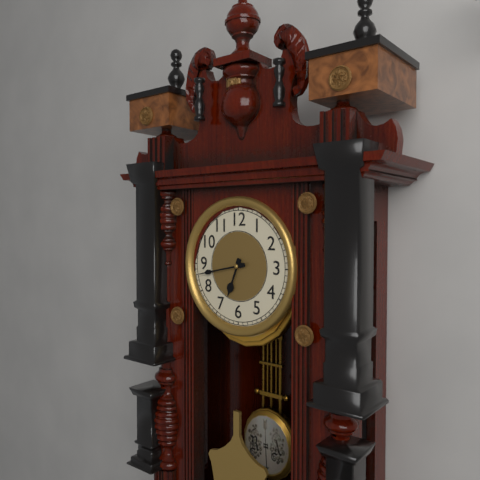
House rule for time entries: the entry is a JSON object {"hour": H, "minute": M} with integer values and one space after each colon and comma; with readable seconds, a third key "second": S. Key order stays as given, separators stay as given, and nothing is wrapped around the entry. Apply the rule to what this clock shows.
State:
{"hour": 6, "minute": 43}
